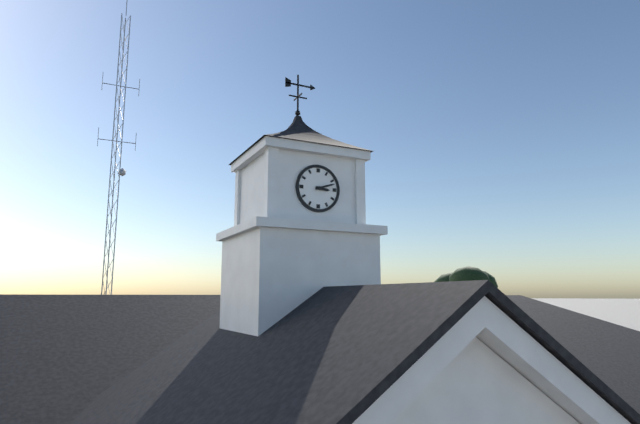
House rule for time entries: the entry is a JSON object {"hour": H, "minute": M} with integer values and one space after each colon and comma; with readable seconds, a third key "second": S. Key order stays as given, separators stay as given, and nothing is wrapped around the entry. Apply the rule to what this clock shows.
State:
{"hour": 3, "minute": 12}
